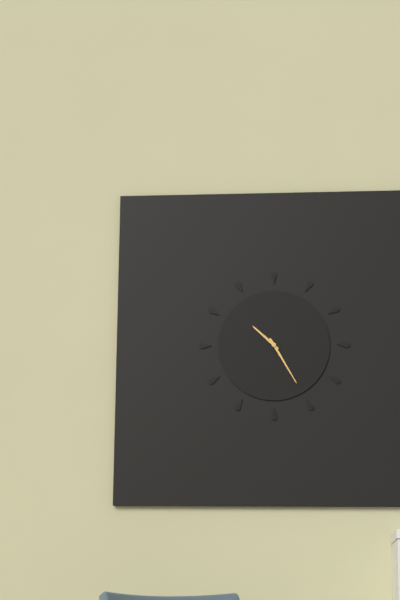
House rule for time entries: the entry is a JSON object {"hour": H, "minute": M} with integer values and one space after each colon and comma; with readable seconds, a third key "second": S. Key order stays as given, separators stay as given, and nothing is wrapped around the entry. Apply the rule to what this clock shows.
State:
{"hour": 10, "minute": 25}
